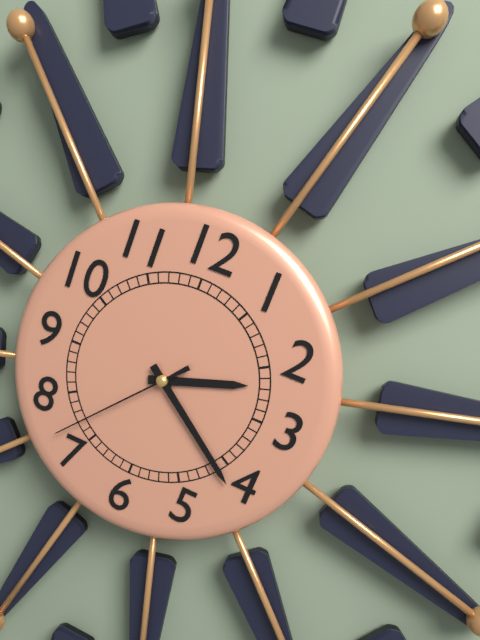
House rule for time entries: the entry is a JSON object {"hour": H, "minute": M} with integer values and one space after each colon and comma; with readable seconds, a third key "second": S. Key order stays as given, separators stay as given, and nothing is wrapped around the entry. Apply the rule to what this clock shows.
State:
{"hour": 2, "minute": 21, "second": 37}
